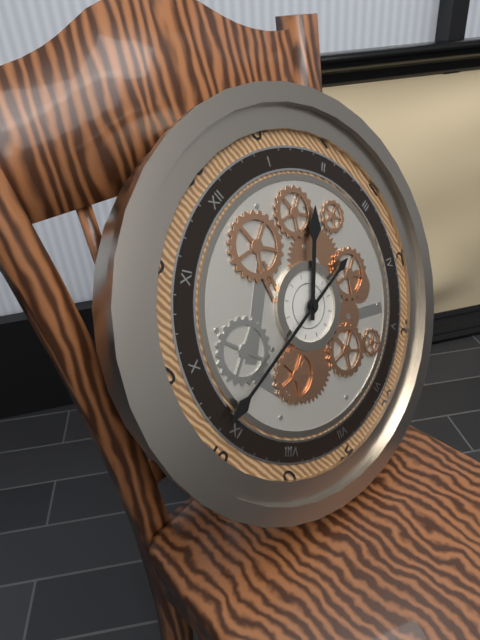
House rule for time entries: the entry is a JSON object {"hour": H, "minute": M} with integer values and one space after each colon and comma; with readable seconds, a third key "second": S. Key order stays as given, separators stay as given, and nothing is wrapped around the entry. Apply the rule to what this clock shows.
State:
{"hour": 1, "minute": 46}
